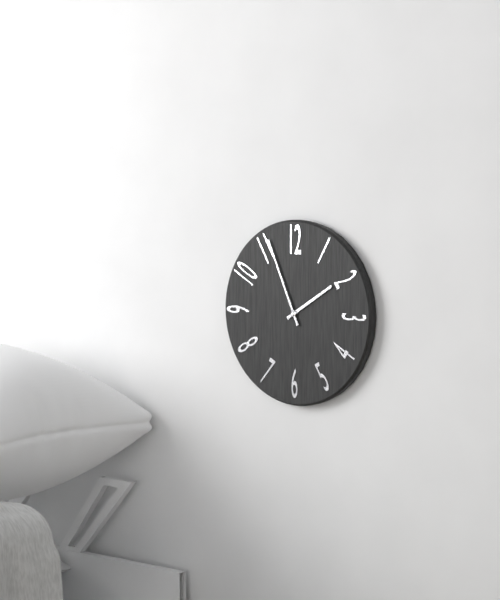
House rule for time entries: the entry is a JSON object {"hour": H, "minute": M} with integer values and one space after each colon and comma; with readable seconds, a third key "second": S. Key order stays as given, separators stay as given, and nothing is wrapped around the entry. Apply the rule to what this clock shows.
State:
{"hour": 1, "minute": 56}
